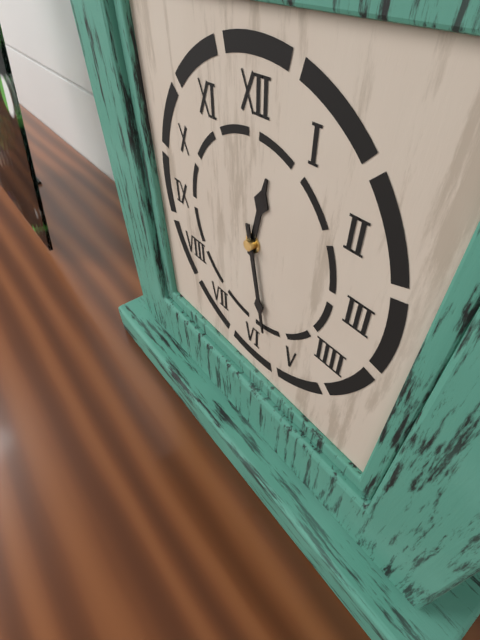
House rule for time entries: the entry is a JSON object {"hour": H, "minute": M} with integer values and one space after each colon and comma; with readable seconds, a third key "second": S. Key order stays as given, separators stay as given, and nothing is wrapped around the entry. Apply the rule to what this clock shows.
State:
{"hour": 12, "minute": 28}
